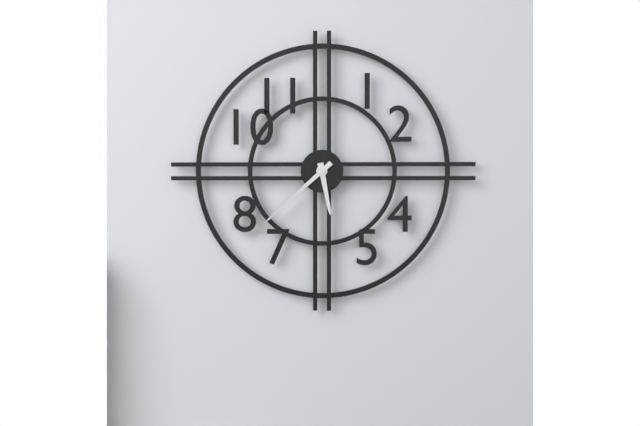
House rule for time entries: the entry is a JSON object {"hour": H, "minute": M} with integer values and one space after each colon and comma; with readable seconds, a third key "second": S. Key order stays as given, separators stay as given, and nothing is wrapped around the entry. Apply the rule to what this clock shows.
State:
{"hour": 5, "minute": 38}
